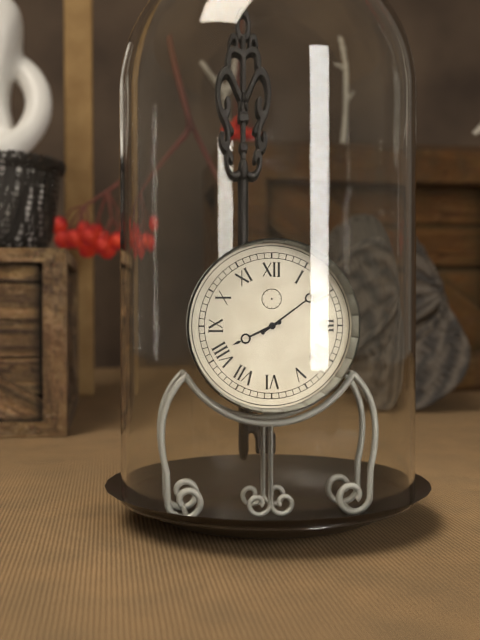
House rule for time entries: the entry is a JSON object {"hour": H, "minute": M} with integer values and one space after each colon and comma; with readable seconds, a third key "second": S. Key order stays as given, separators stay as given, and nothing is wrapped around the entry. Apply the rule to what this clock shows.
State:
{"hour": 8, "minute": 9}
